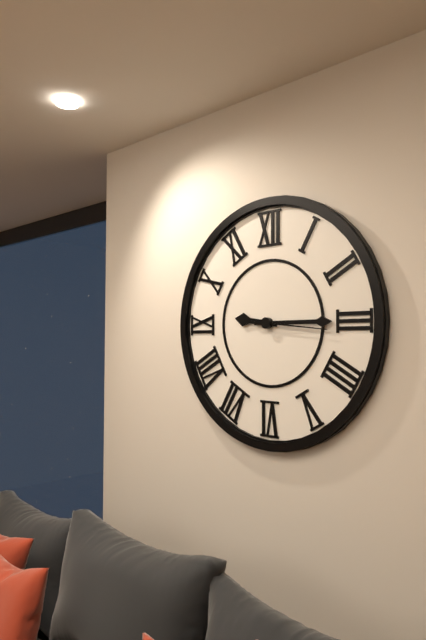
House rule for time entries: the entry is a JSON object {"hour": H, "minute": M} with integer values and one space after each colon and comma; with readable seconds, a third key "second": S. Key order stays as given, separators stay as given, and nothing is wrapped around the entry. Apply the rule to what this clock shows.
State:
{"hour": 9, "minute": 15, "second": 16}
